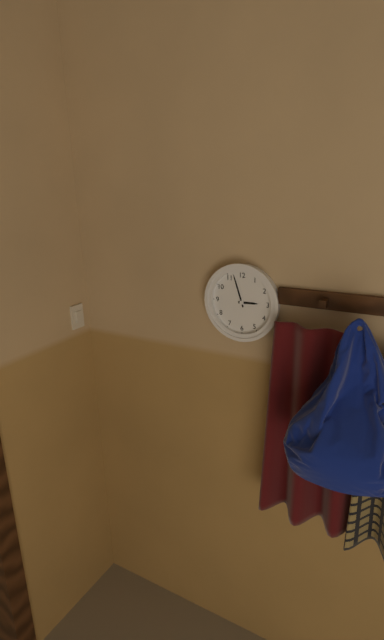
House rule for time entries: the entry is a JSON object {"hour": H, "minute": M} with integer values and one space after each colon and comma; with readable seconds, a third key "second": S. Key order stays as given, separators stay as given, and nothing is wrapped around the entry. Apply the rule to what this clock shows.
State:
{"hour": 2, "minute": 57}
